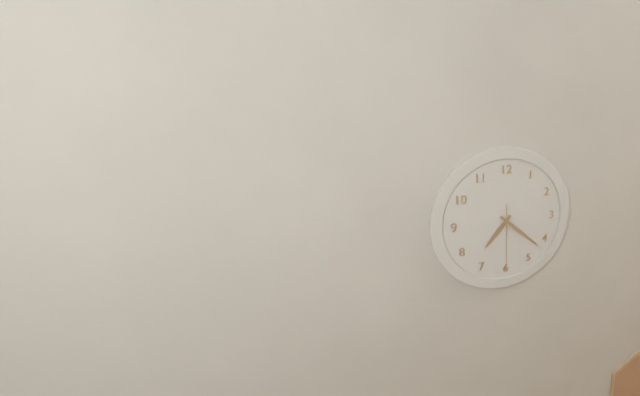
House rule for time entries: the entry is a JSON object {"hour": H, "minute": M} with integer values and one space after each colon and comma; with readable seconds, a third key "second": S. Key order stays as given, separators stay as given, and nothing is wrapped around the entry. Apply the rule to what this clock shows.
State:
{"hour": 7, "minute": 22, "second": 30}
